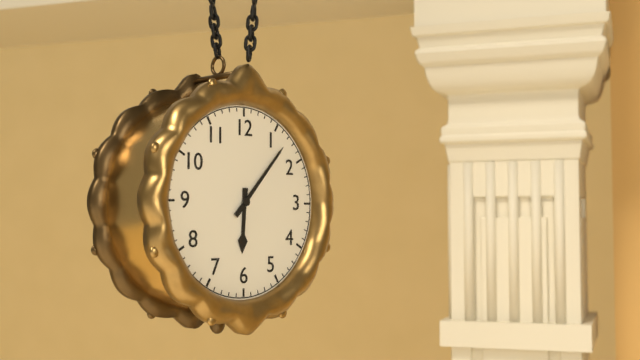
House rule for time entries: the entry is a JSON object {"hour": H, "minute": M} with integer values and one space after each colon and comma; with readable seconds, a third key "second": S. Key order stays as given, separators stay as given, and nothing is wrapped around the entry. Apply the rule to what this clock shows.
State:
{"hour": 6, "minute": 7}
